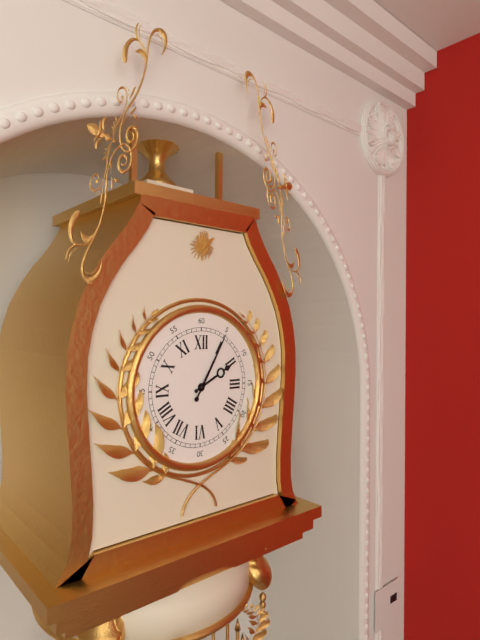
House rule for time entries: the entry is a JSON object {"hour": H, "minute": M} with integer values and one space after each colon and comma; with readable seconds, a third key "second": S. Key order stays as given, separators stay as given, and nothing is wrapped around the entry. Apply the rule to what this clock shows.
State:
{"hour": 2, "minute": 5}
